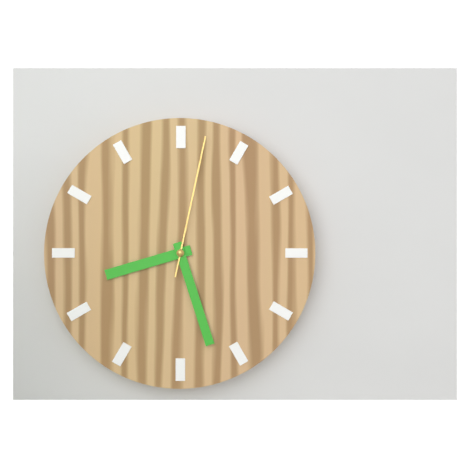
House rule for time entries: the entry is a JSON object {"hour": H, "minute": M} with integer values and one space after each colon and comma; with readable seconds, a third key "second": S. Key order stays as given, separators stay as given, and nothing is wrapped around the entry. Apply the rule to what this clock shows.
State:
{"hour": 8, "minute": 27, "second": 2}
